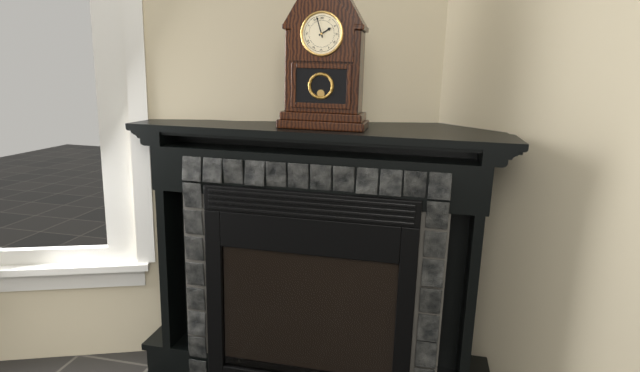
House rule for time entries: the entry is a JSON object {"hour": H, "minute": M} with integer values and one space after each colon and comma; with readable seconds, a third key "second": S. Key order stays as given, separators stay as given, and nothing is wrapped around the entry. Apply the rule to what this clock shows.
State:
{"hour": 1, "minute": 57}
